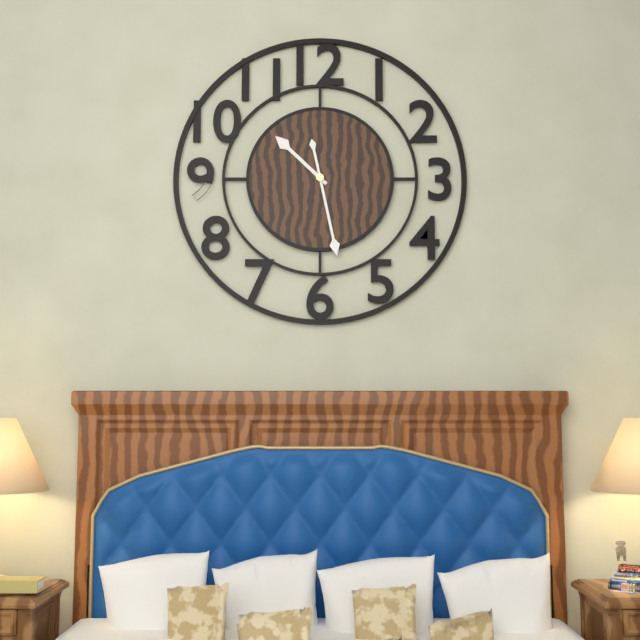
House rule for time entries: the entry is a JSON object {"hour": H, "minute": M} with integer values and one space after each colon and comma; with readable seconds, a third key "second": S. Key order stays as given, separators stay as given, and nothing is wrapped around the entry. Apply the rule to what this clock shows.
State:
{"hour": 10, "minute": 28}
